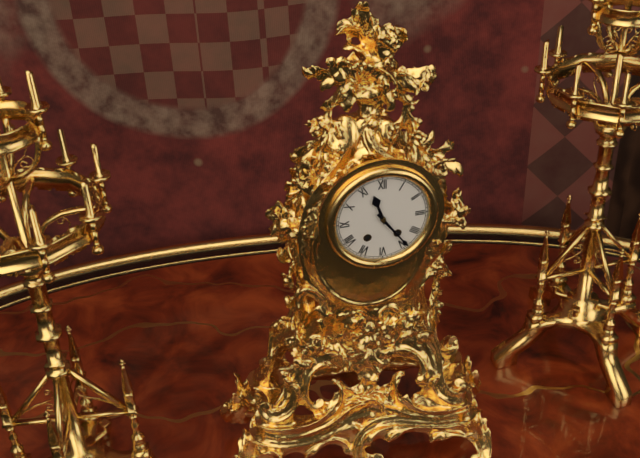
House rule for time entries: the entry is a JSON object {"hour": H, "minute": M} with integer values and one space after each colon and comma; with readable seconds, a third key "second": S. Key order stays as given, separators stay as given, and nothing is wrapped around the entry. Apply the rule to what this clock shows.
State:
{"hour": 11, "minute": 24}
